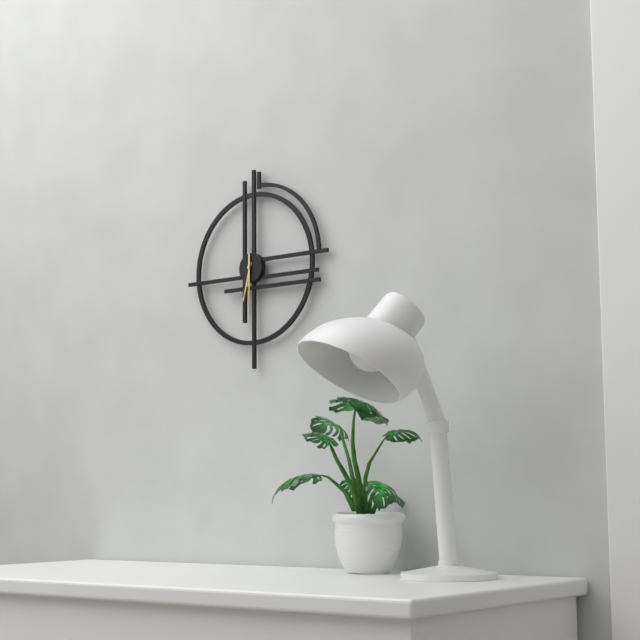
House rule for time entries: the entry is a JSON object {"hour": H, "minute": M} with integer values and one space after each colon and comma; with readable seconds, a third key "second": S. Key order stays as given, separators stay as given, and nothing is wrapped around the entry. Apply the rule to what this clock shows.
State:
{"hour": 6, "minute": 30}
